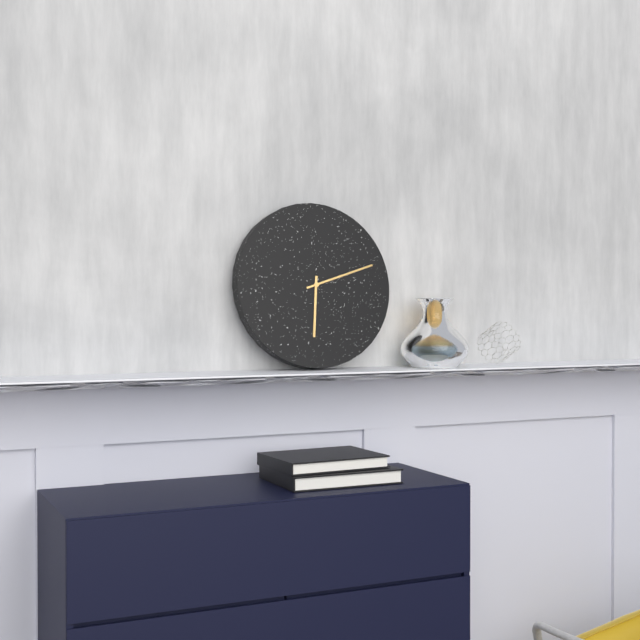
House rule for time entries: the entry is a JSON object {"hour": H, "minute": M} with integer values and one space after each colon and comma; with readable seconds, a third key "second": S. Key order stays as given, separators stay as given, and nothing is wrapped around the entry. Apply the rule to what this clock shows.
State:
{"hour": 6, "minute": 12}
